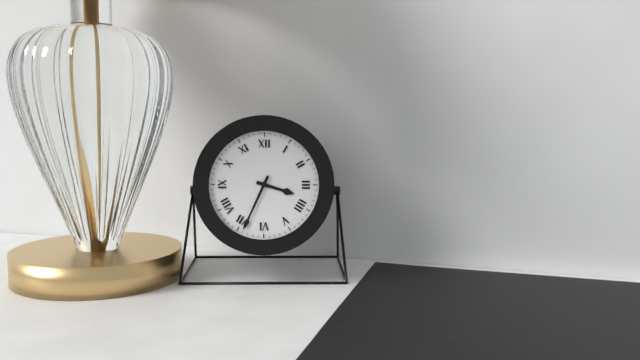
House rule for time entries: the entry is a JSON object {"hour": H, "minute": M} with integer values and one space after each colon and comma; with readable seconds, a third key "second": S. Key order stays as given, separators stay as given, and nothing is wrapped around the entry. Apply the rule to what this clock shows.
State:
{"hour": 3, "minute": 34}
